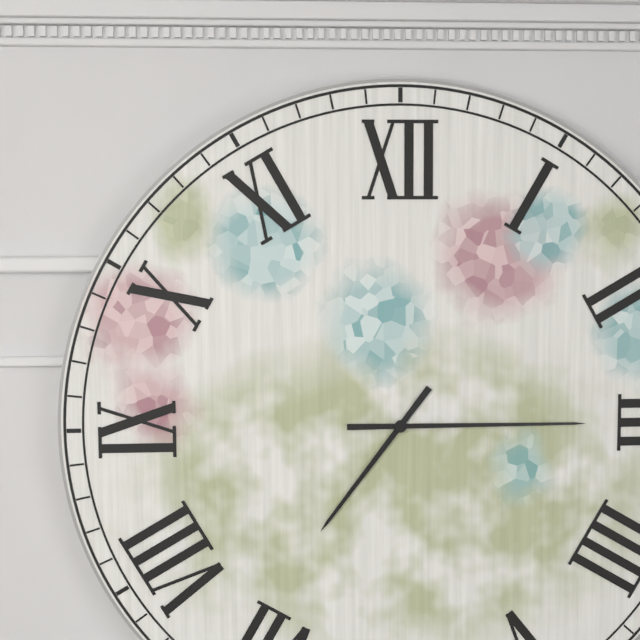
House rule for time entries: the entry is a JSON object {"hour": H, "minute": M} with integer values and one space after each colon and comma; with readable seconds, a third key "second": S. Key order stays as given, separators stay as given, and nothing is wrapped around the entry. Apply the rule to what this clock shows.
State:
{"hour": 7, "minute": 15}
